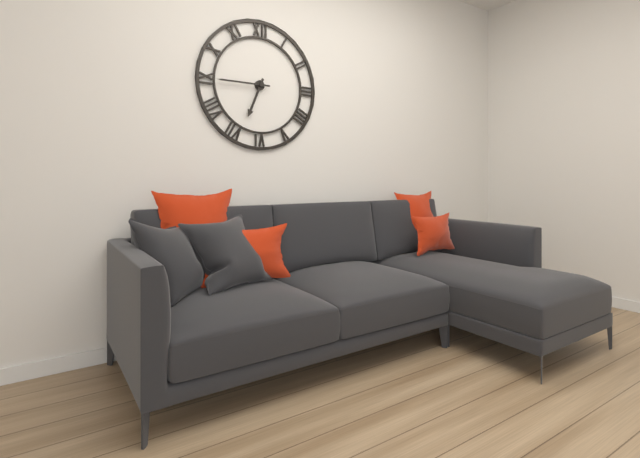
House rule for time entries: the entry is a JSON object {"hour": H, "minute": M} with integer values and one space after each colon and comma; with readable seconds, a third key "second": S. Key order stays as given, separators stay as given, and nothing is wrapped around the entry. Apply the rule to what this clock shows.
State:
{"hour": 6, "minute": 45}
